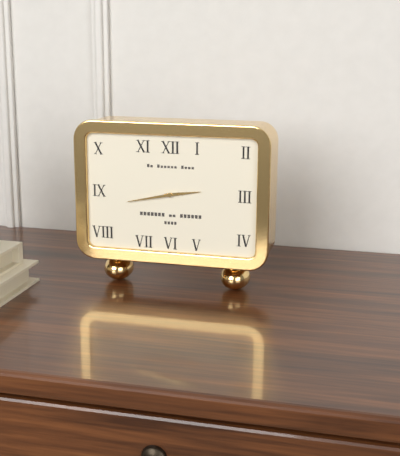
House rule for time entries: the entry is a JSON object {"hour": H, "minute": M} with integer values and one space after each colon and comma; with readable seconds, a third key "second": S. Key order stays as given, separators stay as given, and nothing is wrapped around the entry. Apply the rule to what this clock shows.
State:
{"hour": 2, "minute": 43}
